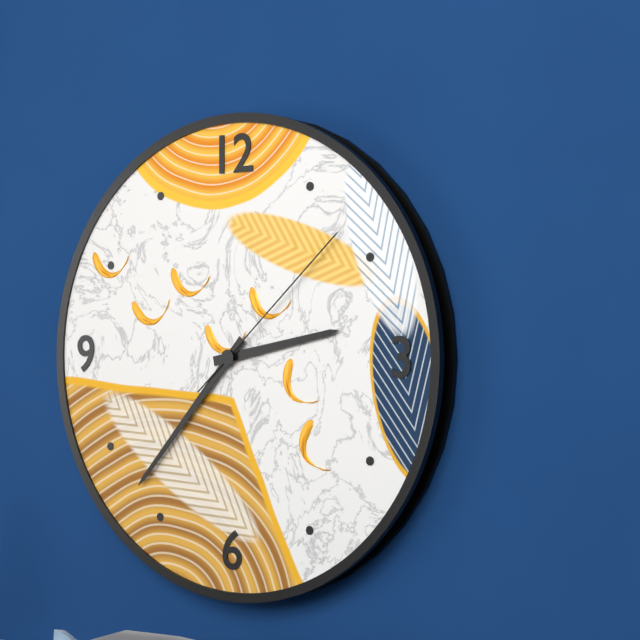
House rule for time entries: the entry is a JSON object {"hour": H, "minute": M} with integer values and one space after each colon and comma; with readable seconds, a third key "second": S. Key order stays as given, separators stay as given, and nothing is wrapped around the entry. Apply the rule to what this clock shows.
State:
{"hour": 2, "minute": 37, "second": 8}
